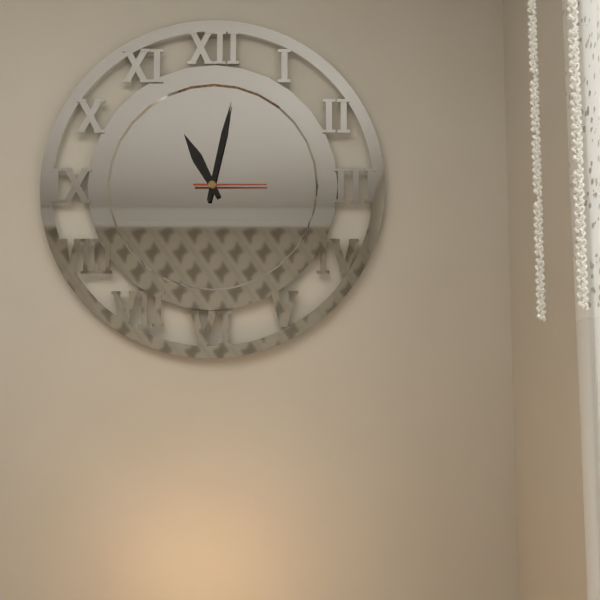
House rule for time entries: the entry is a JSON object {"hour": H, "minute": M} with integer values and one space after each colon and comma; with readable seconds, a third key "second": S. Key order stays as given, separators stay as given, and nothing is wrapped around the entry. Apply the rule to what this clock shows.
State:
{"hour": 11, "minute": 2, "second": 15}
